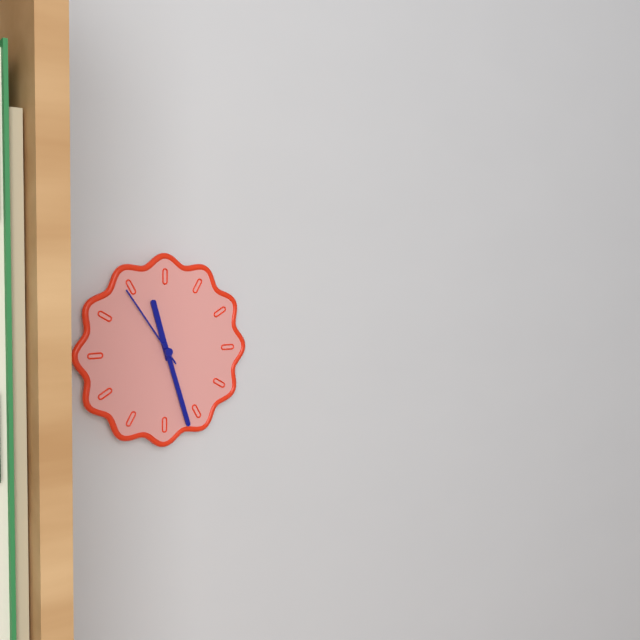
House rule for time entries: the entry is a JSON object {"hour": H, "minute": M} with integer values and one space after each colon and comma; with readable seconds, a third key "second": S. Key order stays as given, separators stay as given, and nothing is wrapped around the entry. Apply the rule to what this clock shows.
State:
{"hour": 11, "minute": 27, "second": 54}
